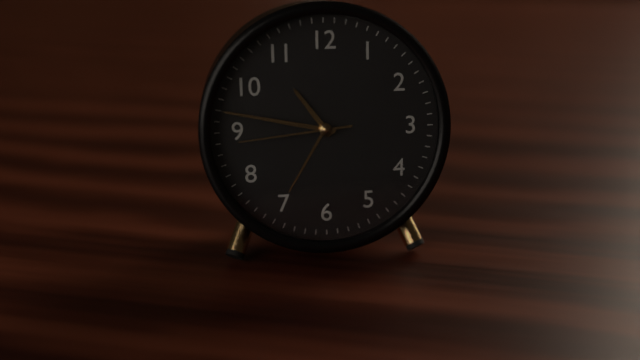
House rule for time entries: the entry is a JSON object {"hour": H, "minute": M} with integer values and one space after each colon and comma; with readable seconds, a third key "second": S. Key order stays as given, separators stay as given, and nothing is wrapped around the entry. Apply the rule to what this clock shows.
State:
{"hour": 10, "minute": 47, "second": 44}
